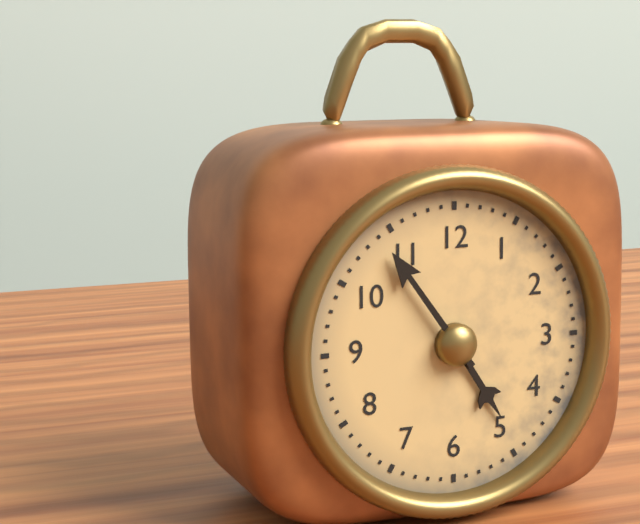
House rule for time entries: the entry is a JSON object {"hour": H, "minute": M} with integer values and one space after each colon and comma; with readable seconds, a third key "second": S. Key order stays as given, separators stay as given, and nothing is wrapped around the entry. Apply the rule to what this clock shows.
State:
{"hour": 4, "minute": 54}
